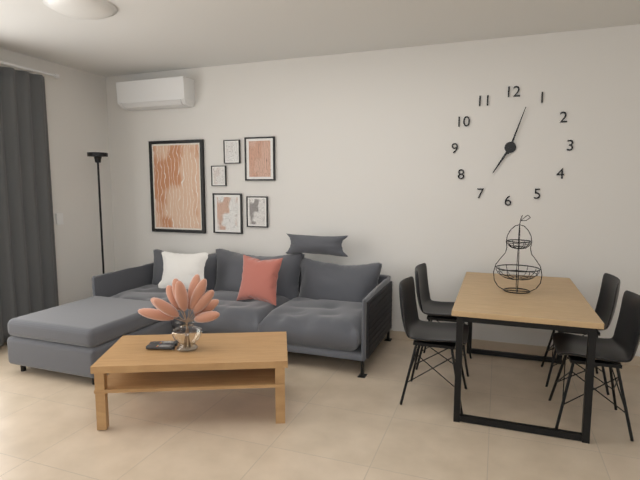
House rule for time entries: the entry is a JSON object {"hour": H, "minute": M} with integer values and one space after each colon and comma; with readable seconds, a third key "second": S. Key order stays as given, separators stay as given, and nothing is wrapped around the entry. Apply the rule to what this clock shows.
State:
{"hour": 7, "minute": 3}
